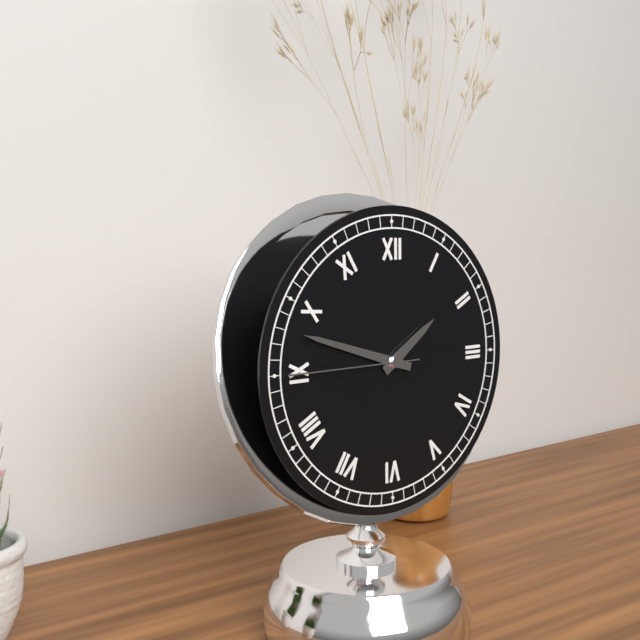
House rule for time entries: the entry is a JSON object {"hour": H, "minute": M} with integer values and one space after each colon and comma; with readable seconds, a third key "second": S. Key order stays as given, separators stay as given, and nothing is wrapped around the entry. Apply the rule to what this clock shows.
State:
{"hour": 1, "minute": 48, "second": 45}
